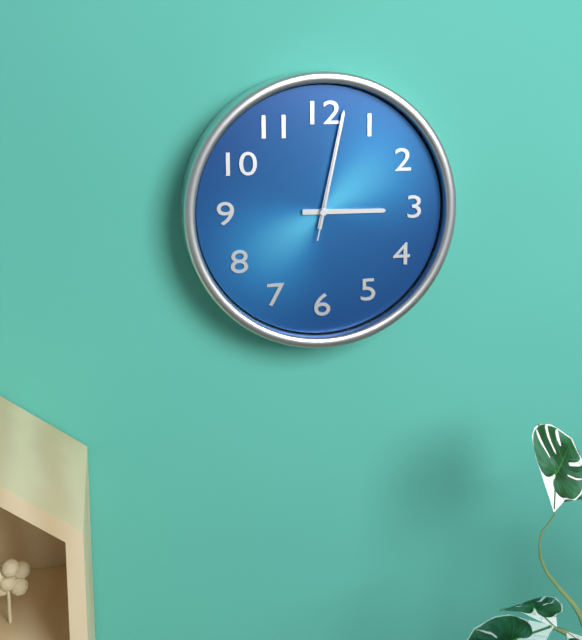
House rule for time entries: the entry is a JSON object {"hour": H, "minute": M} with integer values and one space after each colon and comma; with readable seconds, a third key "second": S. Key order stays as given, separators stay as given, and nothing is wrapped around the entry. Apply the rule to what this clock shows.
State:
{"hour": 3, "minute": 2, "second": 2}
